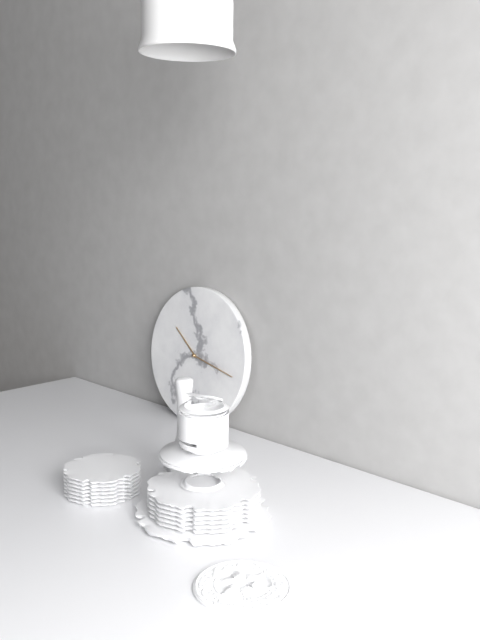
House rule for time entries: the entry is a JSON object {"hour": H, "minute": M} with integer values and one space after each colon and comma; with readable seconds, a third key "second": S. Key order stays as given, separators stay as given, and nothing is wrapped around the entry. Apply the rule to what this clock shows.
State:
{"hour": 10, "minute": 17}
